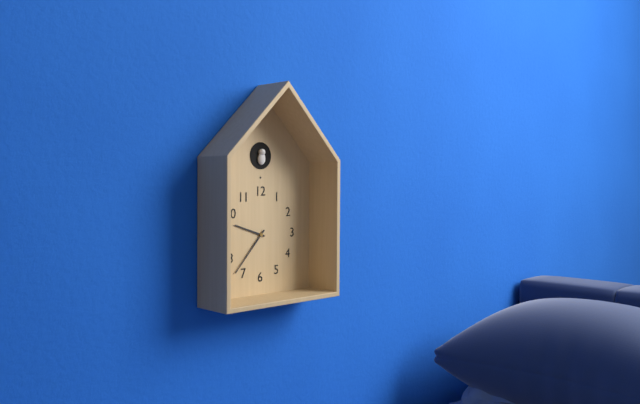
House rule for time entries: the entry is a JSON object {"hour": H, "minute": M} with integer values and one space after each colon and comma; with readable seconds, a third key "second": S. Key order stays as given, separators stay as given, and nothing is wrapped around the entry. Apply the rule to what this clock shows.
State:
{"hour": 9, "minute": 37}
